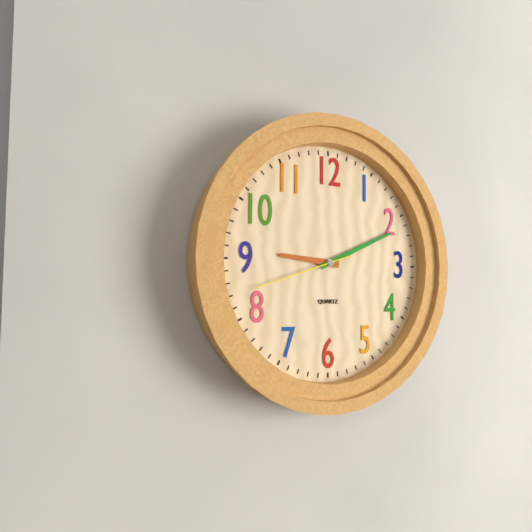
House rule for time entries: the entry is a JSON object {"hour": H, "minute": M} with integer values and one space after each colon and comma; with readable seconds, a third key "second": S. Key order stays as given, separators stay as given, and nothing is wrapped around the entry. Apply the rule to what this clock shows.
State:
{"hour": 9, "minute": 11, "second": 42}
